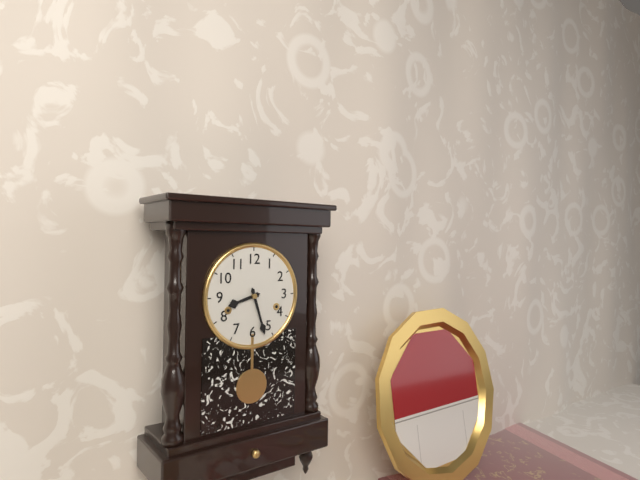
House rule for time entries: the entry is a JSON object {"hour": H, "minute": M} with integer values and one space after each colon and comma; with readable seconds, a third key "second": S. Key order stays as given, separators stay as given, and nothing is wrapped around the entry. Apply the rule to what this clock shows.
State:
{"hour": 8, "minute": 27}
